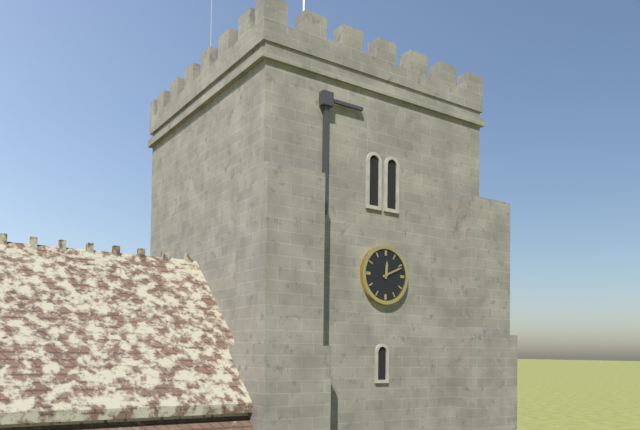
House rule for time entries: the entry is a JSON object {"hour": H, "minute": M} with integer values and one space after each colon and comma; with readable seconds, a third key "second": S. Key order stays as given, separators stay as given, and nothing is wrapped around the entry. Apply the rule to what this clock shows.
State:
{"hour": 12, "minute": 11}
